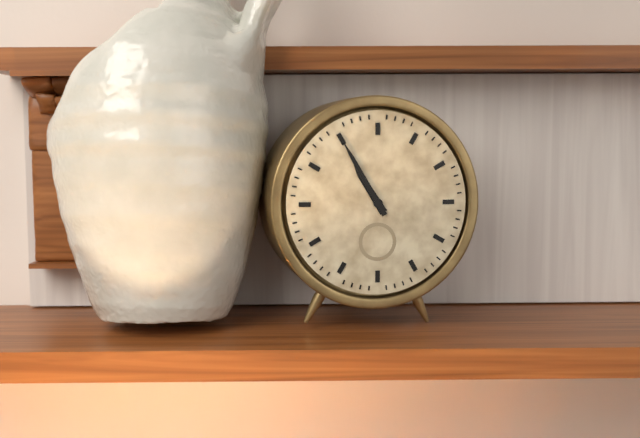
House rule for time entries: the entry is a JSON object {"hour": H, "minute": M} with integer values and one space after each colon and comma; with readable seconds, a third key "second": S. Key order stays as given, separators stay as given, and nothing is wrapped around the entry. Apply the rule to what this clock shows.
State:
{"hour": 10, "minute": 55}
